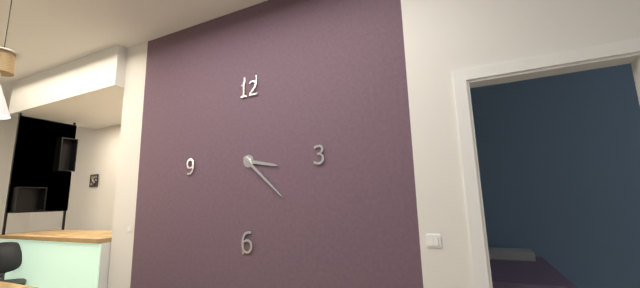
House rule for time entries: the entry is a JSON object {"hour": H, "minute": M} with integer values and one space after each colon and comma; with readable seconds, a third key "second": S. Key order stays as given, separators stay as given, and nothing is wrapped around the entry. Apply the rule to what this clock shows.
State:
{"hour": 3, "minute": 22}
